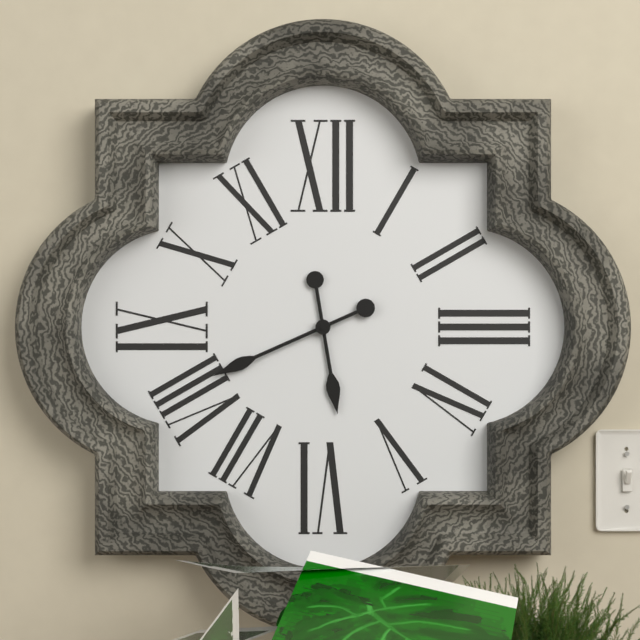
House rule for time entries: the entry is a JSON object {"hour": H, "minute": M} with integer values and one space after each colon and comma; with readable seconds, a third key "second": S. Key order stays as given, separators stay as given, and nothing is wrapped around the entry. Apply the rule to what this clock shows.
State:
{"hour": 5, "minute": 41}
